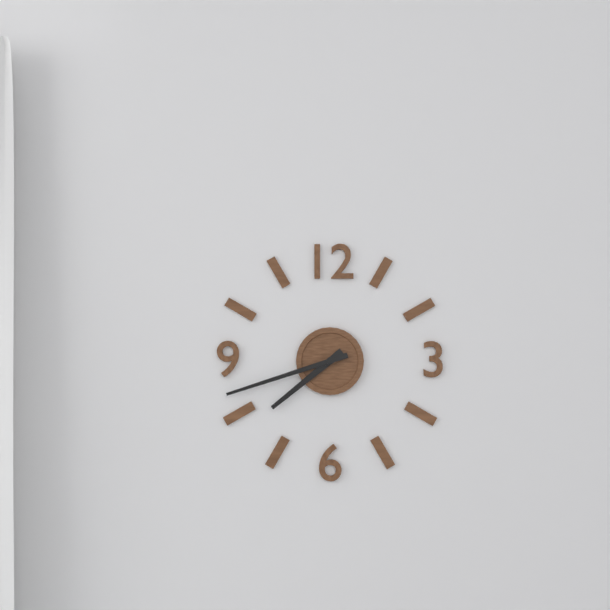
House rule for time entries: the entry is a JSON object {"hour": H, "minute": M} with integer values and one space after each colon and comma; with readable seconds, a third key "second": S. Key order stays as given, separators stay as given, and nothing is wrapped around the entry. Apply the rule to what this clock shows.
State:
{"hour": 7, "minute": 42}
